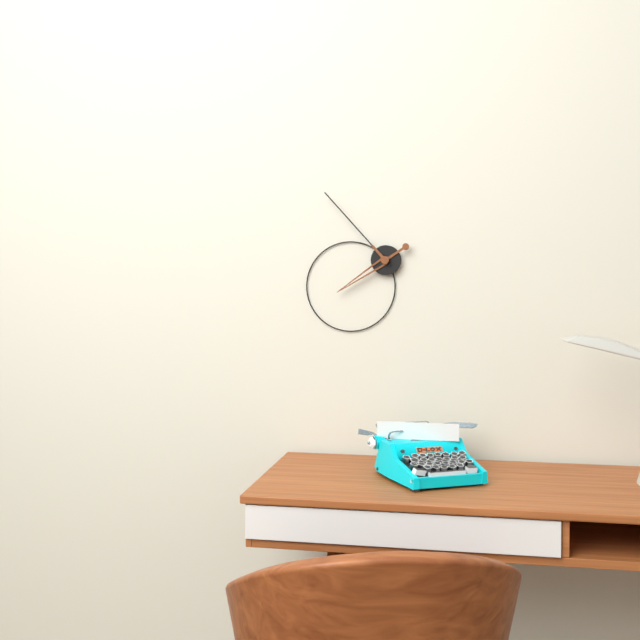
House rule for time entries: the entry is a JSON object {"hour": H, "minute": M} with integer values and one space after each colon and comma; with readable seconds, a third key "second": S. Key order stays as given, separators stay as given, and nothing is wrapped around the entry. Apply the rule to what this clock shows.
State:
{"hour": 7, "minute": 53}
